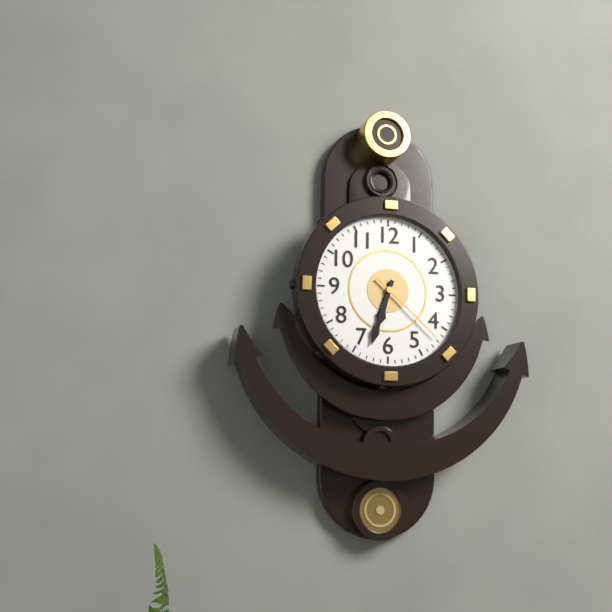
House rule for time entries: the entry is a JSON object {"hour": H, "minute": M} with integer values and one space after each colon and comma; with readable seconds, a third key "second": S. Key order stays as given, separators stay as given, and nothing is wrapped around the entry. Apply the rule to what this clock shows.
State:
{"hour": 6, "minute": 33, "second": 22}
